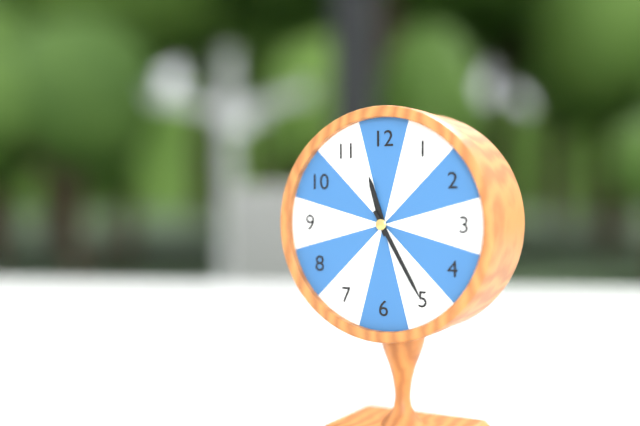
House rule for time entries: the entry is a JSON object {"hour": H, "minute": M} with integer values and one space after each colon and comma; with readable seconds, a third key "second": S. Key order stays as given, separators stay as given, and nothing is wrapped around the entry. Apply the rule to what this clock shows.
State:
{"hour": 11, "minute": 25}
